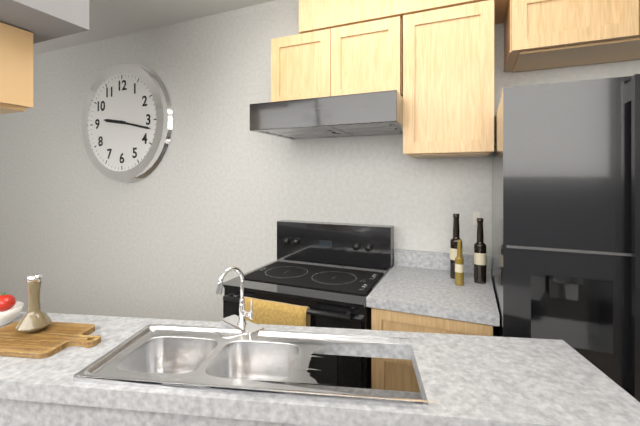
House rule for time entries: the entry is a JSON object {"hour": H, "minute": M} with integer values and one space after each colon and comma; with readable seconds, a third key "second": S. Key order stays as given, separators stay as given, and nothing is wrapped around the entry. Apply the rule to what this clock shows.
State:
{"hour": 9, "minute": 17}
